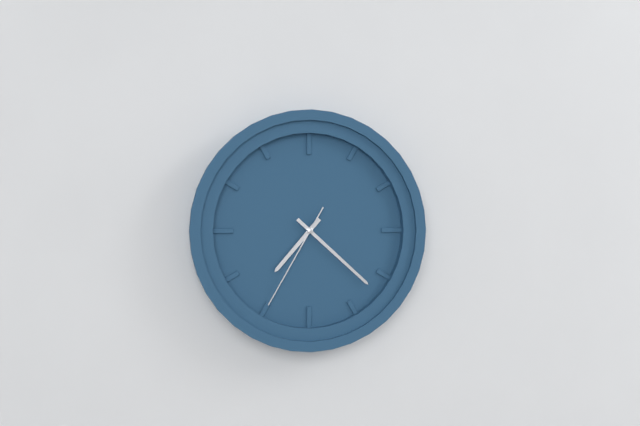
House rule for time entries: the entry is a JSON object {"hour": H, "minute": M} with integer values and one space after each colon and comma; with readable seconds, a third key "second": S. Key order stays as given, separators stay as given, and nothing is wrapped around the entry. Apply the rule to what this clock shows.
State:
{"hour": 7, "minute": 22, "second": 35}
